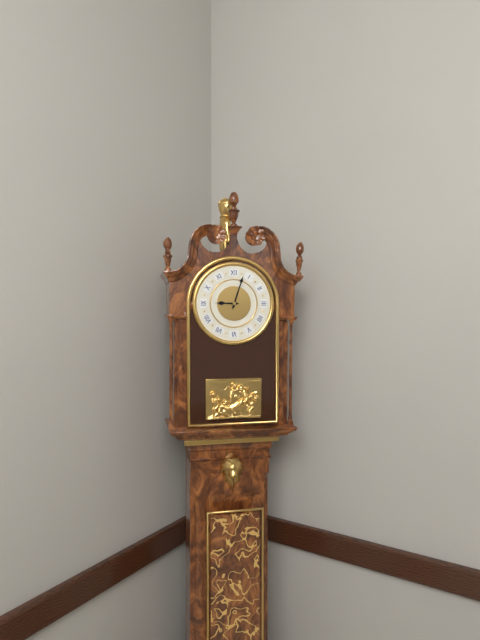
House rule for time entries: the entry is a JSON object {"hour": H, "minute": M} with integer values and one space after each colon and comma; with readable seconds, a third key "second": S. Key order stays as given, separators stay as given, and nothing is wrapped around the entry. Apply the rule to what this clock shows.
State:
{"hour": 9, "minute": 3}
